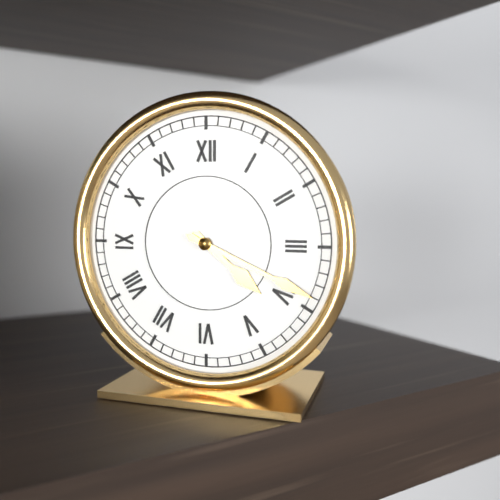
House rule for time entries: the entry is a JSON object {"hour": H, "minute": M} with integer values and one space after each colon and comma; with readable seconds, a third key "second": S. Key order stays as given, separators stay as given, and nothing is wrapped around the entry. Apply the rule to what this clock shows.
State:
{"hour": 4, "minute": 19}
